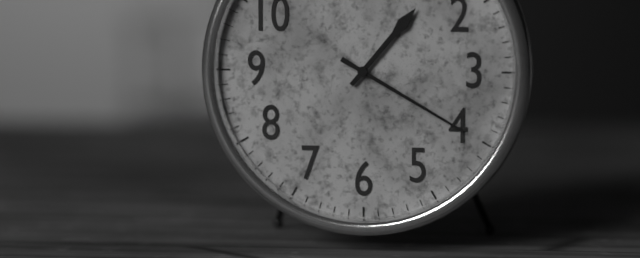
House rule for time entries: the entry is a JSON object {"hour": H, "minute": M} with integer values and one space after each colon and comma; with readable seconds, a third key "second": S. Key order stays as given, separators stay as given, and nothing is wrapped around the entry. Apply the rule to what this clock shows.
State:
{"hour": 1, "minute": 20}
